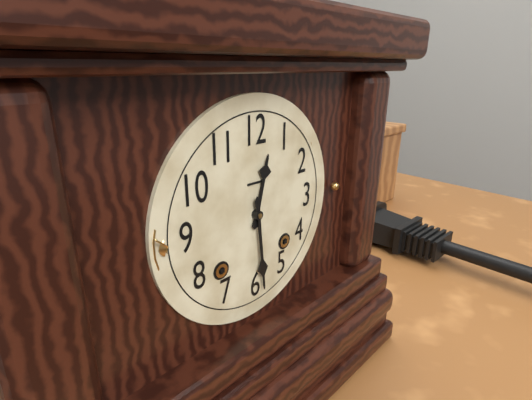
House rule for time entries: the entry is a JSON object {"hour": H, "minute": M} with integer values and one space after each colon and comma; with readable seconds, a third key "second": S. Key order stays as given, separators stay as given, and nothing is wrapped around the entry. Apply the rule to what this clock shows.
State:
{"hour": 12, "minute": 29}
